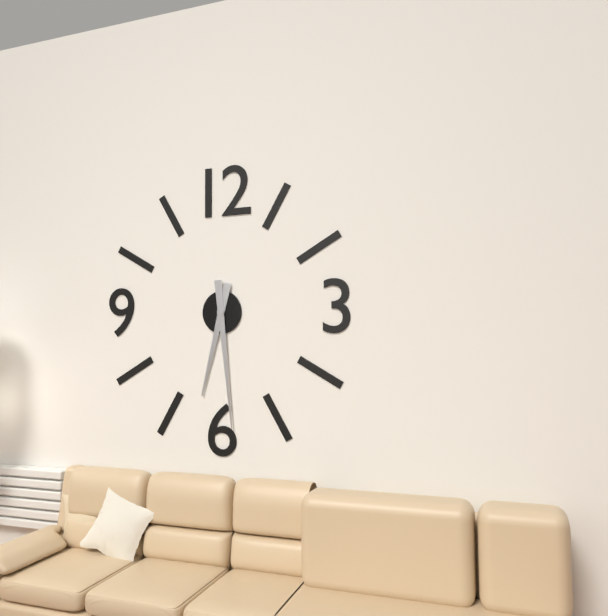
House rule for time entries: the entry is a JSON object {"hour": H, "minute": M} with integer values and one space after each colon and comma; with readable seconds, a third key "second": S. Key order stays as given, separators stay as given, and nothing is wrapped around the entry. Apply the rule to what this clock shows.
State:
{"hour": 6, "minute": 29}
